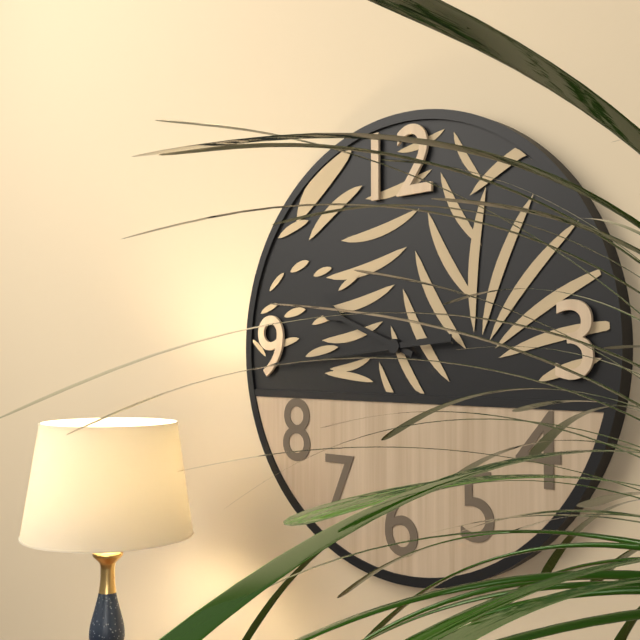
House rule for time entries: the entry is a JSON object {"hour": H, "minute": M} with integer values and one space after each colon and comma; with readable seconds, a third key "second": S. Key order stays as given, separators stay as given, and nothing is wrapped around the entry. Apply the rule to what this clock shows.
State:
{"hour": 9, "minute": 44}
